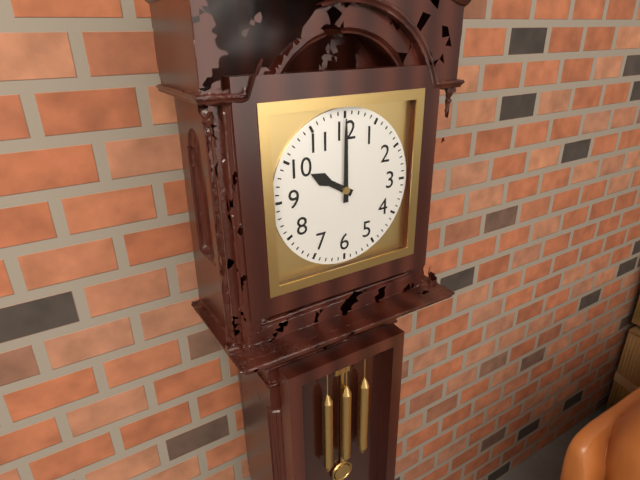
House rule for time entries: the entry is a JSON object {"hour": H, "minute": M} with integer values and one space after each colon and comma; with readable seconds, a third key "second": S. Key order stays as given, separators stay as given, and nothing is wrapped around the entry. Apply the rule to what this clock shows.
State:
{"hour": 10, "minute": 0}
